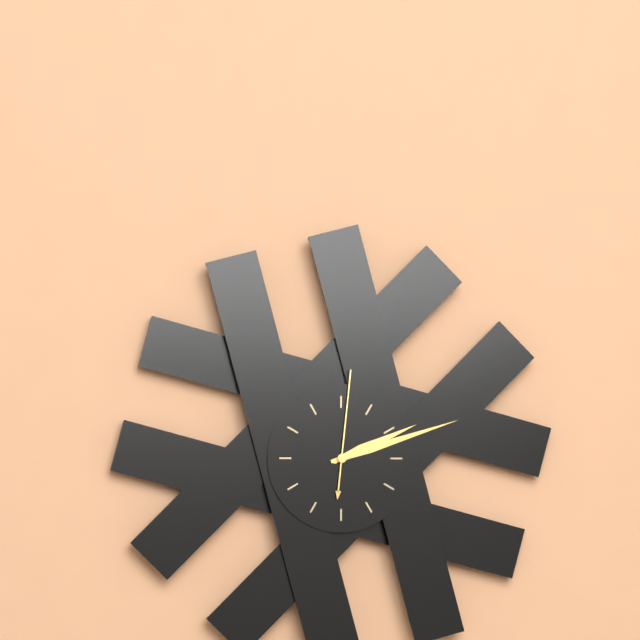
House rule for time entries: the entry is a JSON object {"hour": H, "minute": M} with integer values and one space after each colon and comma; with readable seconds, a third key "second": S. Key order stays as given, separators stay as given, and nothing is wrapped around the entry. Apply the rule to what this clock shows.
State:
{"hour": 2, "minute": 12, "second": 1}
